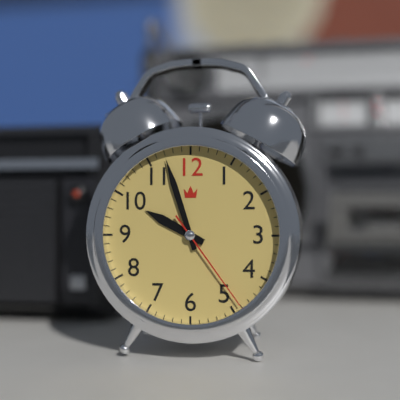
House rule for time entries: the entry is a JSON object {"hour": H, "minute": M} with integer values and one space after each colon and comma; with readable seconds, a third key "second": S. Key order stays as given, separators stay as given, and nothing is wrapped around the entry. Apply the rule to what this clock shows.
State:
{"hour": 9, "minute": 57, "second": 24}
